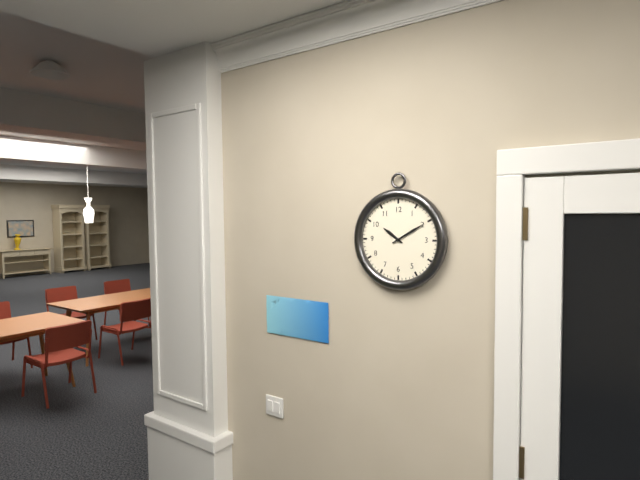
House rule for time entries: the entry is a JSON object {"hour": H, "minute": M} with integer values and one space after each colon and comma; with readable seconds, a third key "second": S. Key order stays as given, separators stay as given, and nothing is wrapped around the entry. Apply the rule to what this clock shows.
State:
{"hour": 10, "minute": 10}
